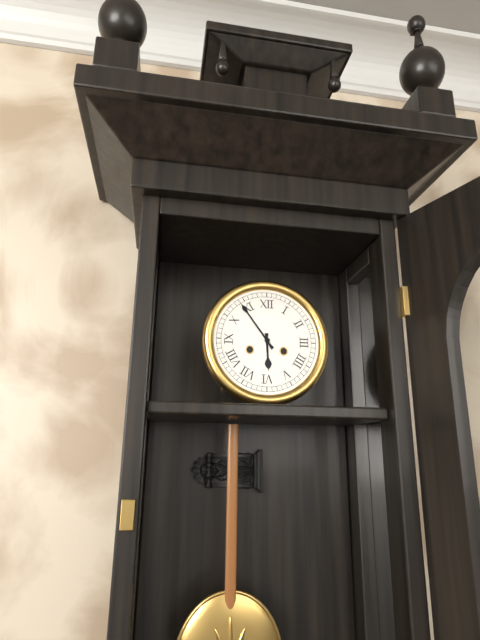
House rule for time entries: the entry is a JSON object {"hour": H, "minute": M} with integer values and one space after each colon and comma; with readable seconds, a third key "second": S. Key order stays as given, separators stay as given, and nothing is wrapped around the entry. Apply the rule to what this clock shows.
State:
{"hour": 5, "minute": 54}
